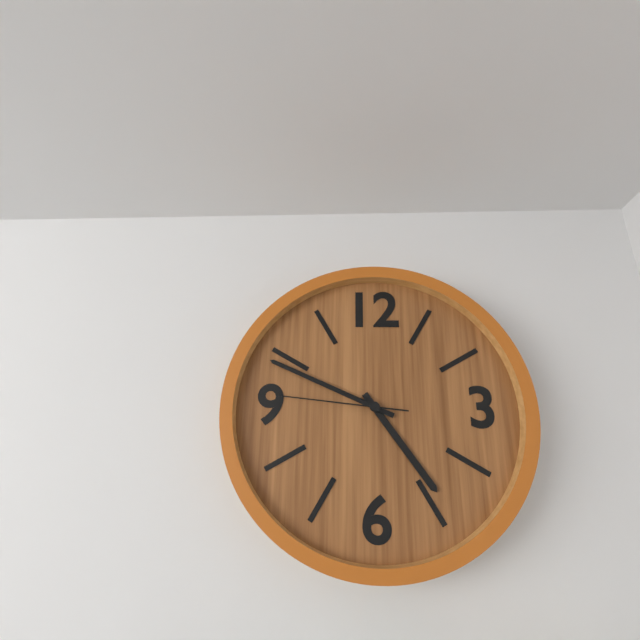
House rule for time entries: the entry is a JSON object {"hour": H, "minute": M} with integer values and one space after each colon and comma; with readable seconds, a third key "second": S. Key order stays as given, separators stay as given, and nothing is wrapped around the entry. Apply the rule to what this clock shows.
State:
{"hour": 4, "minute": 49, "second": 46}
